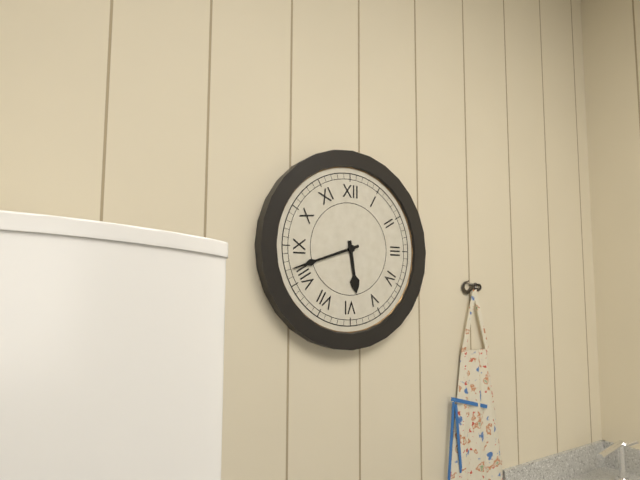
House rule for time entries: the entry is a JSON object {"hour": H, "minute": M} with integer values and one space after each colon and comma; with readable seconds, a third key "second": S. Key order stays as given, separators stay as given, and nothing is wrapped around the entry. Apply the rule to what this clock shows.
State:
{"hour": 5, "minute": 42}
